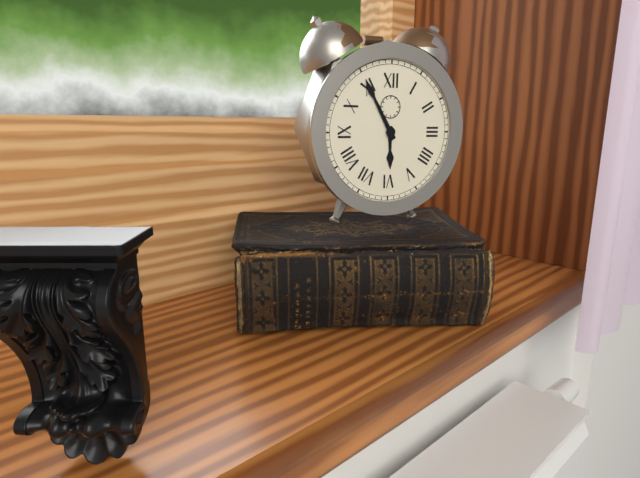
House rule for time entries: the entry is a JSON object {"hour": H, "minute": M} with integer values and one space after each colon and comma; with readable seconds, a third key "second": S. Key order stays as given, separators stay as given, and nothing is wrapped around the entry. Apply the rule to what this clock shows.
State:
{"hour": 5, "minute": 55}
